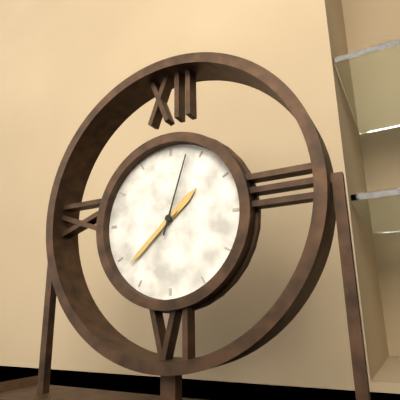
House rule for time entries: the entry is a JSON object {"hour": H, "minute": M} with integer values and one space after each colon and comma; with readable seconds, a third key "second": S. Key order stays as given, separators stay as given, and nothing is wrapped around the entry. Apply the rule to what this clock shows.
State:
{"hour": 1, "minute": 38, "second": 3}
